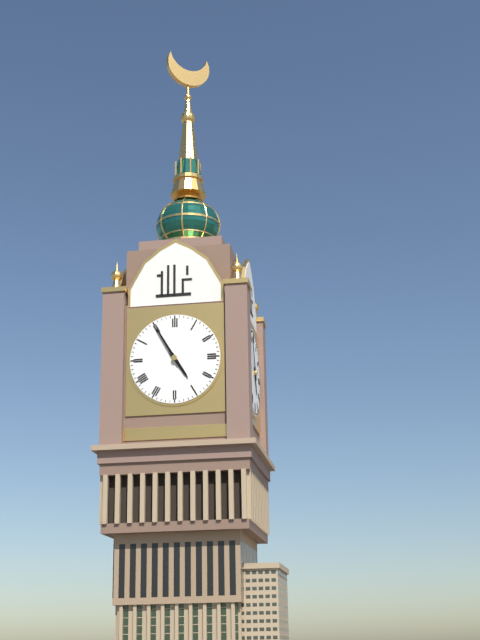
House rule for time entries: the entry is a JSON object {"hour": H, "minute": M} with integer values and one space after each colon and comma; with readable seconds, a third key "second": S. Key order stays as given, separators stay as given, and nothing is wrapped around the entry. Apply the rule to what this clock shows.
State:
{"hour": 4, "minute": 55}
